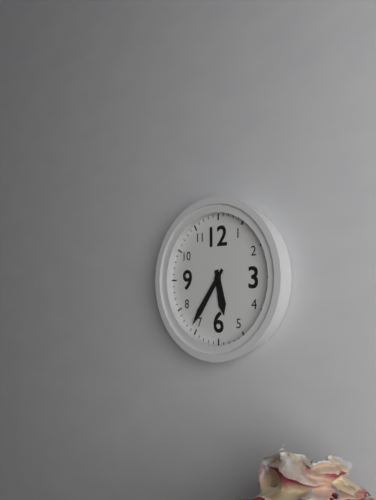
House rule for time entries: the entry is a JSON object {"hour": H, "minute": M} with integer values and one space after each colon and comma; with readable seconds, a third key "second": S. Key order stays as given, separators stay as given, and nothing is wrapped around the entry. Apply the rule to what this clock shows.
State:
{"hour": 5, "minute": 36}
